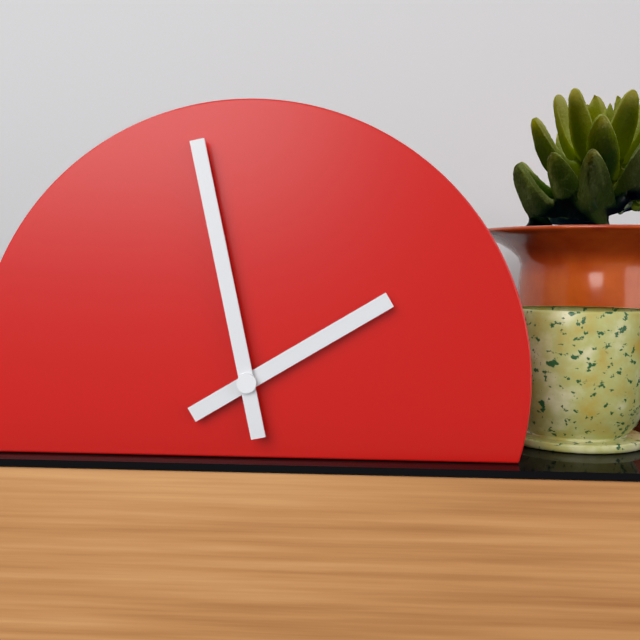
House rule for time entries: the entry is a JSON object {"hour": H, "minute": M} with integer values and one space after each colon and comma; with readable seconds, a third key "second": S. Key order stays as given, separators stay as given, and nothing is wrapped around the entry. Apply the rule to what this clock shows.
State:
{"hour": 1, "minute": 58}
